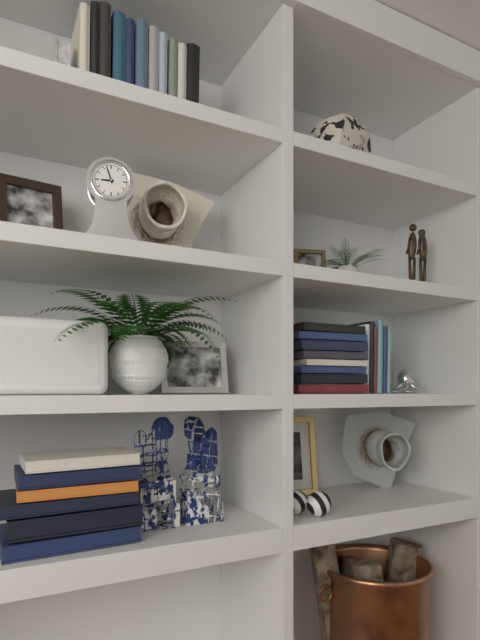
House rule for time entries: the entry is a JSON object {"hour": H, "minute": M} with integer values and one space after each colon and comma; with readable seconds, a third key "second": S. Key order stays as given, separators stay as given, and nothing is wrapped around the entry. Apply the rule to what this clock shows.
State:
{"hour": 8, "minute": 57}
